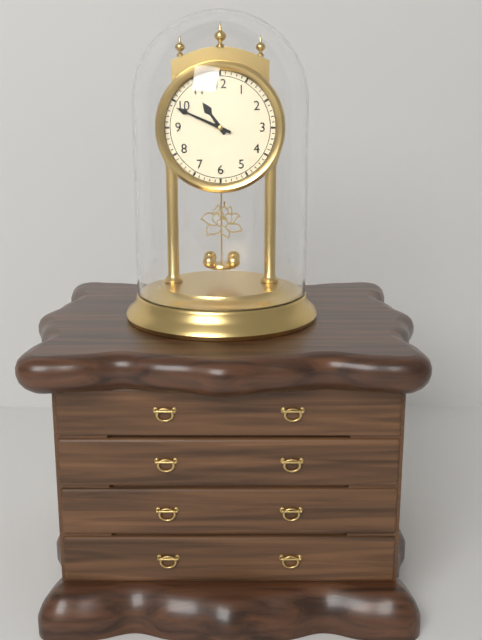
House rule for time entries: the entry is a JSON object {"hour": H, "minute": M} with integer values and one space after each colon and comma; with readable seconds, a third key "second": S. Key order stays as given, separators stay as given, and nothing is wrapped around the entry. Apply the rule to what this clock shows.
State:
{"hour": 10, "minute": 49}
